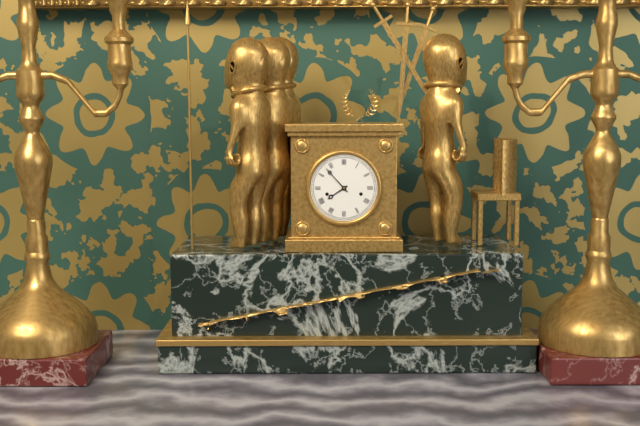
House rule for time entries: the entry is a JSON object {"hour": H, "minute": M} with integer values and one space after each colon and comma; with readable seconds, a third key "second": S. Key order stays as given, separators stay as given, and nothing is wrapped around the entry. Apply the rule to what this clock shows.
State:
{"hour": 7, "minute": 53}
